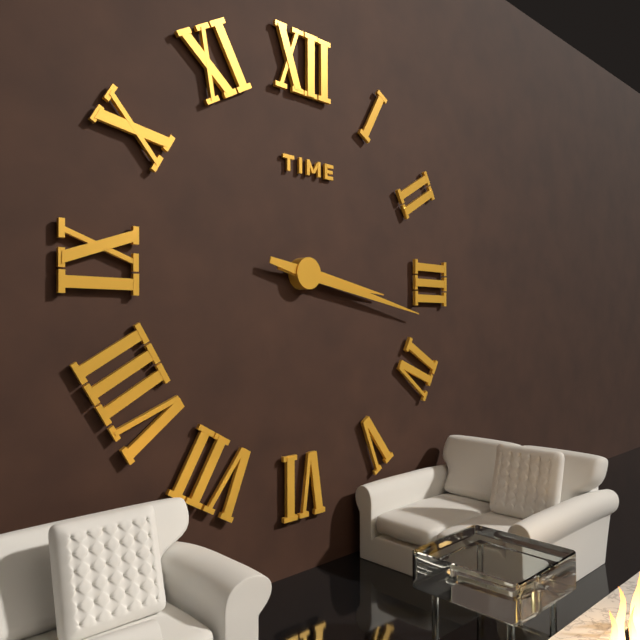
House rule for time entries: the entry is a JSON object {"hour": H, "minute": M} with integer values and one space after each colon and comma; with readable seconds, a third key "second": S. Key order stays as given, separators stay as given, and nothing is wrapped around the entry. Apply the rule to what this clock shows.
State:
{"hour": 3, "minute": 17}
